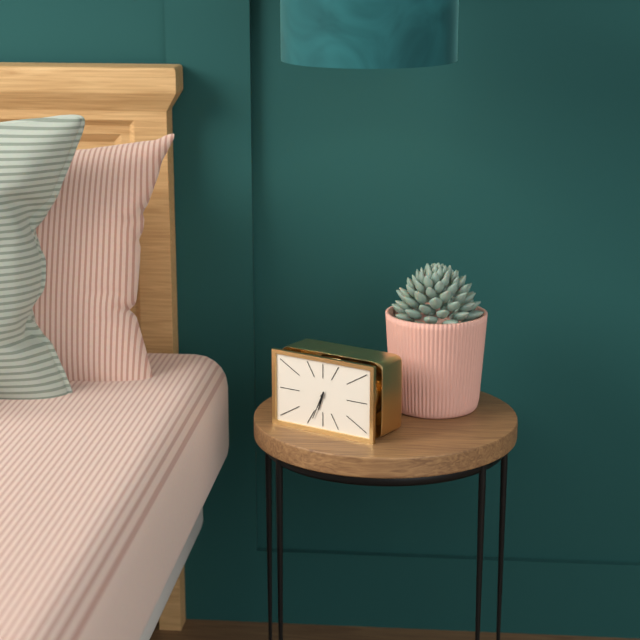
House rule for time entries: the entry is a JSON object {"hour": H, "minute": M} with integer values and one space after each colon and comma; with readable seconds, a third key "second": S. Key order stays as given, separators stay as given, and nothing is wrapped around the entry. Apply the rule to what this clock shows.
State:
{"hour": 6, "minute": 34}
